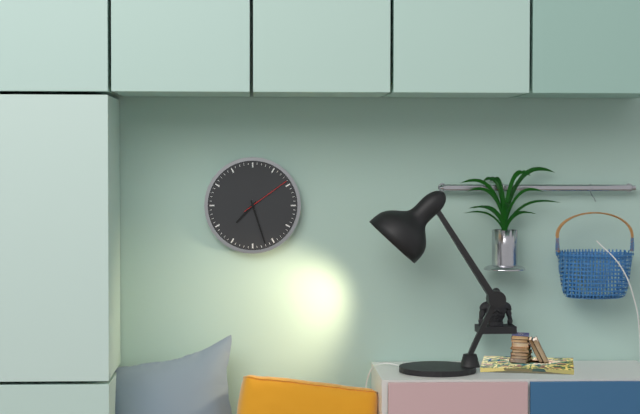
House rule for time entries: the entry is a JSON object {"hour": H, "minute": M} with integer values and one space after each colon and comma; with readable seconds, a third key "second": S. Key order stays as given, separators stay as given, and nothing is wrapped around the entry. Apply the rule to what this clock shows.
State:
{"hour": 7, "minute": 27, "second": 9}
